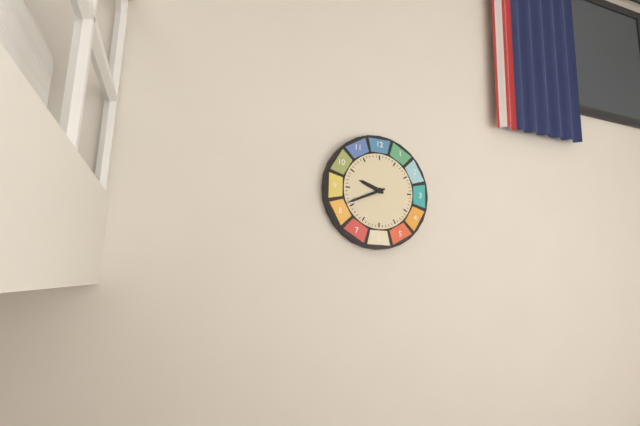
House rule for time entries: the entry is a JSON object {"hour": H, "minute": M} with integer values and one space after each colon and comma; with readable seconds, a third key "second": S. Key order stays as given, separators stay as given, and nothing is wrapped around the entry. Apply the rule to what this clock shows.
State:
{"hour": 9, "minute": 41}
